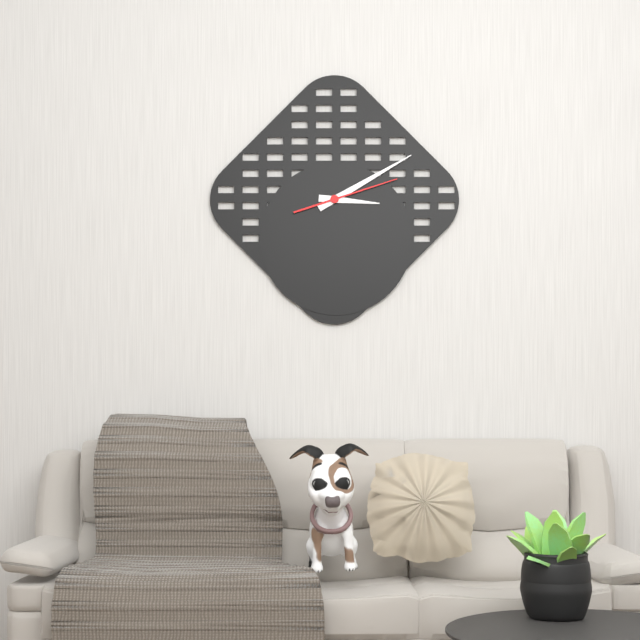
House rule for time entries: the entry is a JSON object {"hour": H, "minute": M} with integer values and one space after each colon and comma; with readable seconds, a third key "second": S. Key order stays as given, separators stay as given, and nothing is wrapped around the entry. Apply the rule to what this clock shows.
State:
{"hour": 3, "minute": 10, "second": 12}
